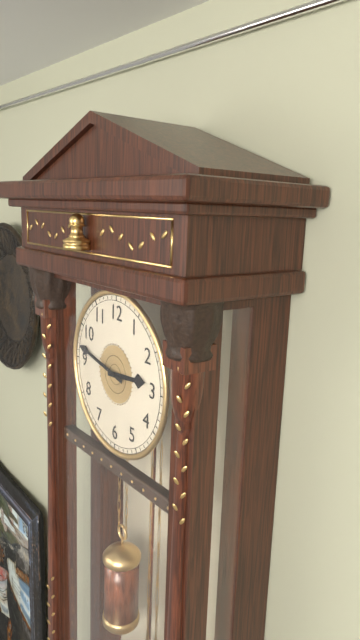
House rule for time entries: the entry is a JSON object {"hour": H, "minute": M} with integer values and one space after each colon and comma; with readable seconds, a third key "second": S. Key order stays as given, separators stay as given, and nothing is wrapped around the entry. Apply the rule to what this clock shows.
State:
{"hour": 2, "minute": 47}
